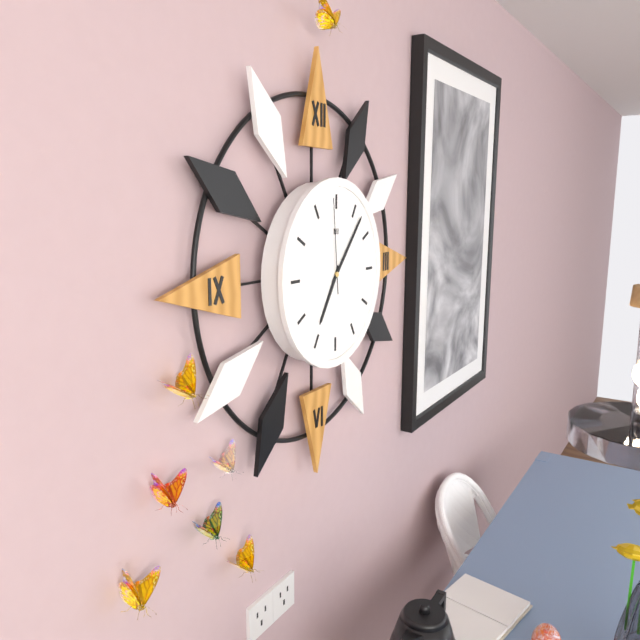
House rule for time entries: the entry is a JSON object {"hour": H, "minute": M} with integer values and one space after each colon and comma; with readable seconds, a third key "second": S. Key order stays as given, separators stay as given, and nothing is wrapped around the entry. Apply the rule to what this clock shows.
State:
{"hour": 7, "minute": 7, "second": 59}
